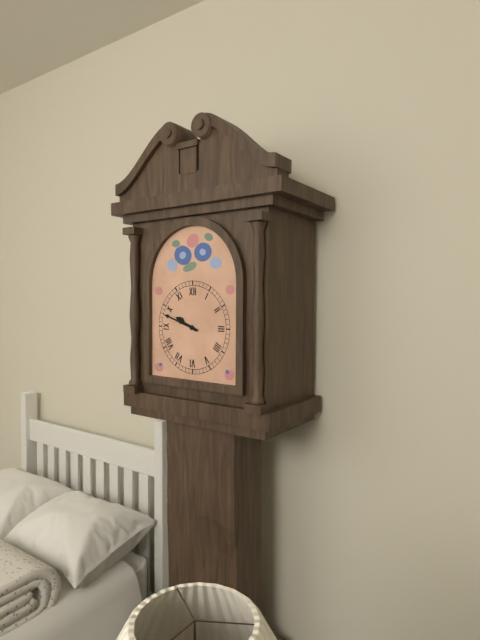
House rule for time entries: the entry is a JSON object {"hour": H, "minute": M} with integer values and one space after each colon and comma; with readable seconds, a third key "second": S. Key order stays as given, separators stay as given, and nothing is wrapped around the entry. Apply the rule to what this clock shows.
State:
{"hour": 9, "minute": 48}
